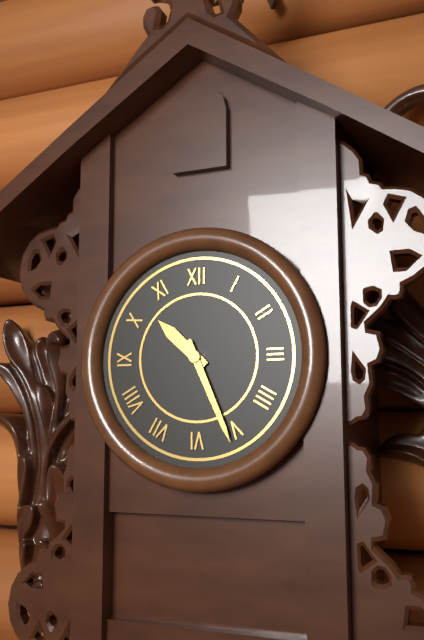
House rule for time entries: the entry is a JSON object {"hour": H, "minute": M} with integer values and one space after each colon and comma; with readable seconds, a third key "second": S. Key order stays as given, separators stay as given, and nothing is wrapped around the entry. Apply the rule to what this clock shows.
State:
{"hour": 10, "minute": 26}
